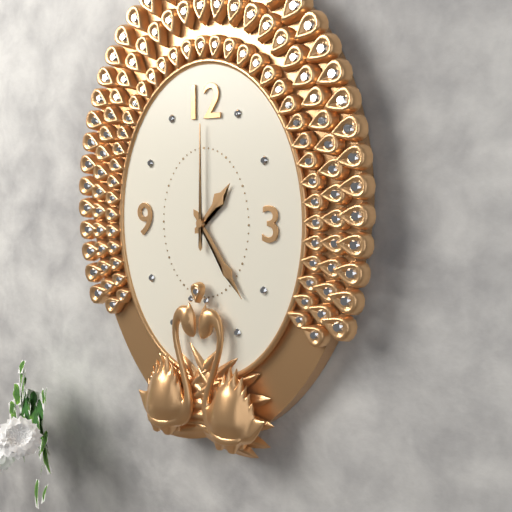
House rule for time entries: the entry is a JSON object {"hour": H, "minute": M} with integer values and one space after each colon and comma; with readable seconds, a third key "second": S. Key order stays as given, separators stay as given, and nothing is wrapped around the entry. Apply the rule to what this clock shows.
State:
{"hour": 1, "minute": 24, "second": 0}
